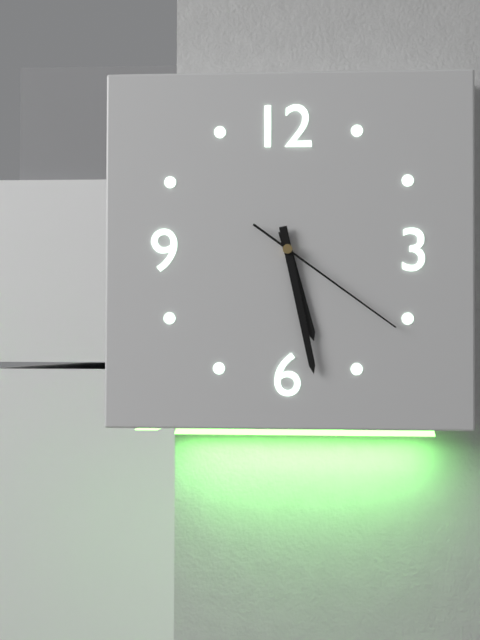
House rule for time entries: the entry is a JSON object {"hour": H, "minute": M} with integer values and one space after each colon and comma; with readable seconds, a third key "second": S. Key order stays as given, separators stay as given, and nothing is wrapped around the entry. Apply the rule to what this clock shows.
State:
{"hour": 5, "minute": 28, "second": 21}
